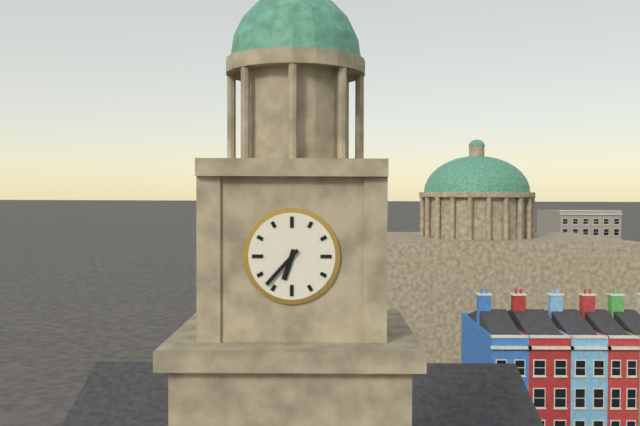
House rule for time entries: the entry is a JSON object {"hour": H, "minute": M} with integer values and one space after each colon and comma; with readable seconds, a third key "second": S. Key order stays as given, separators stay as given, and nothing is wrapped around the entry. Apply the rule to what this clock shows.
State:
{"hour": 6, "minute": 37}
